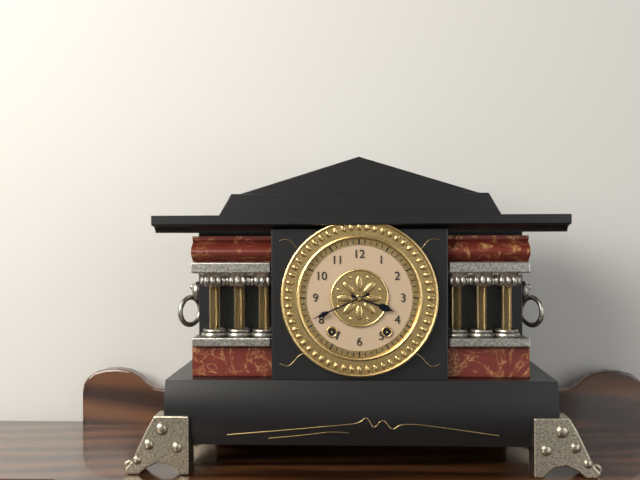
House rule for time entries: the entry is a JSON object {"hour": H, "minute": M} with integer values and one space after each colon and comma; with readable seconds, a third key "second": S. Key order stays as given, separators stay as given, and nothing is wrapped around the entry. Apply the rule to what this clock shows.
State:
{"hour": 3, "minute": 41}
